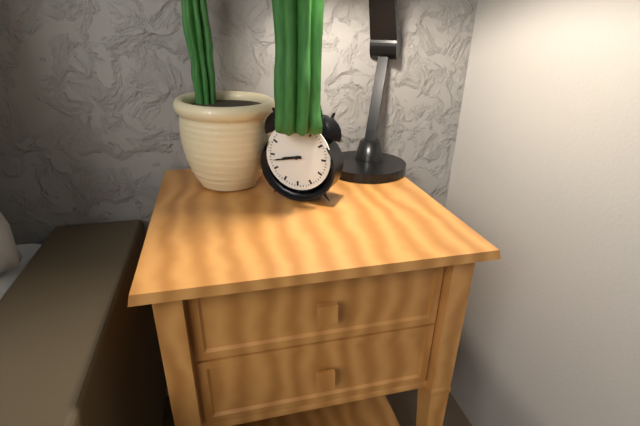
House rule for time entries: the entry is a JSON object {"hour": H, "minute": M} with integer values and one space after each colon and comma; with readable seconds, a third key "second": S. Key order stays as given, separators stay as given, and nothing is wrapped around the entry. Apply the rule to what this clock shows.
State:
{"hour": 8, "minute": 43}
